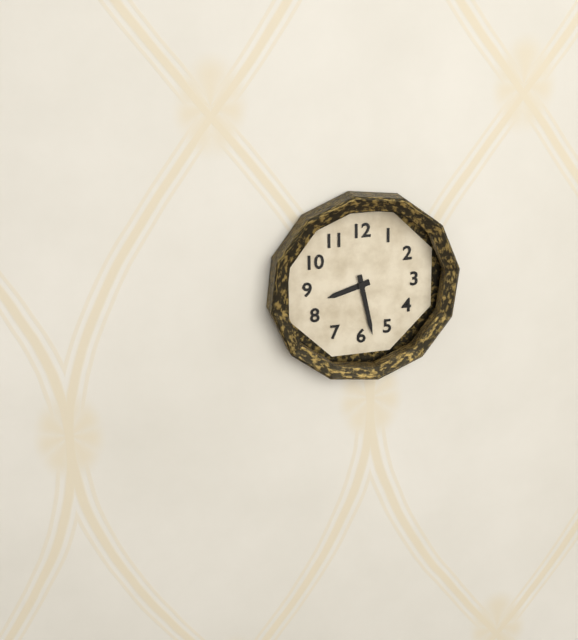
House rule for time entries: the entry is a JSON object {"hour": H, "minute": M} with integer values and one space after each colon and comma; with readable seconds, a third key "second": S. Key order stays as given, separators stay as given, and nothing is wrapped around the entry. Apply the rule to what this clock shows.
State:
{"hour": 8, "minute": 28}
